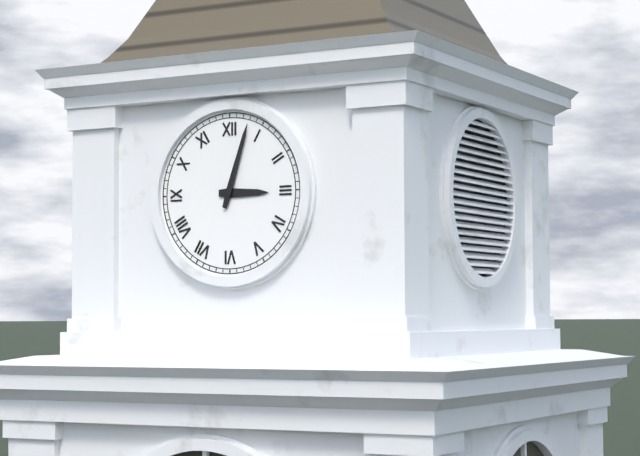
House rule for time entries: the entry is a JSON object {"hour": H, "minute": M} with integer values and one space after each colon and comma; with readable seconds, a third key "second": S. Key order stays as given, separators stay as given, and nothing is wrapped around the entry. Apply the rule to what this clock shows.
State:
{"hour": 3, "minute": 3}
